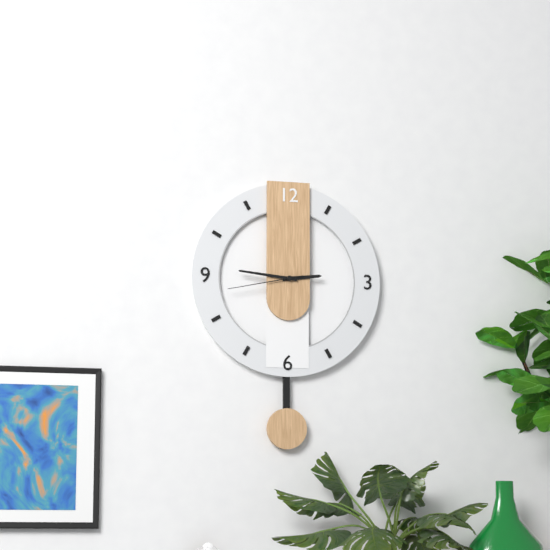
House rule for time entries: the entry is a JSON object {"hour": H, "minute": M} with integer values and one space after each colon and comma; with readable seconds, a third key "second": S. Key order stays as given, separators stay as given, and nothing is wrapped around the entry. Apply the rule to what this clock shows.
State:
{"hour": 2, "minute": 46, "second": 43}
